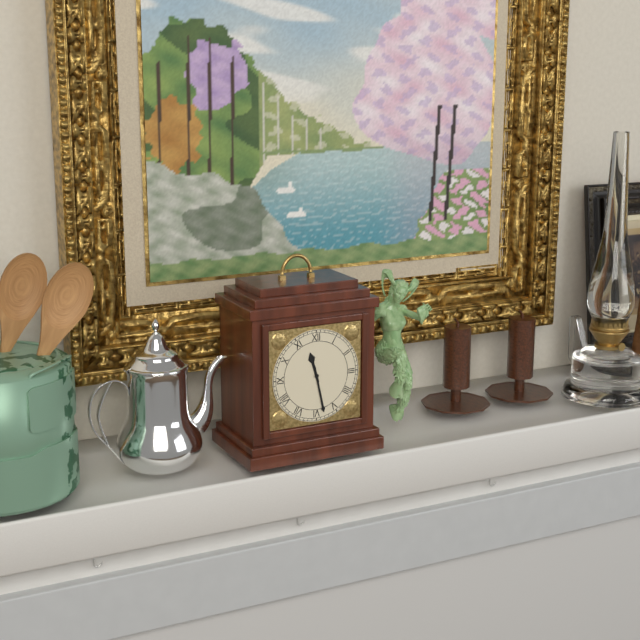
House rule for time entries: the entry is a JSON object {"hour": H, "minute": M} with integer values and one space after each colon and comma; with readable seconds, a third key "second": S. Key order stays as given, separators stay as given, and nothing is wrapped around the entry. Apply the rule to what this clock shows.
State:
{"hour": 11, "minute": 28}
